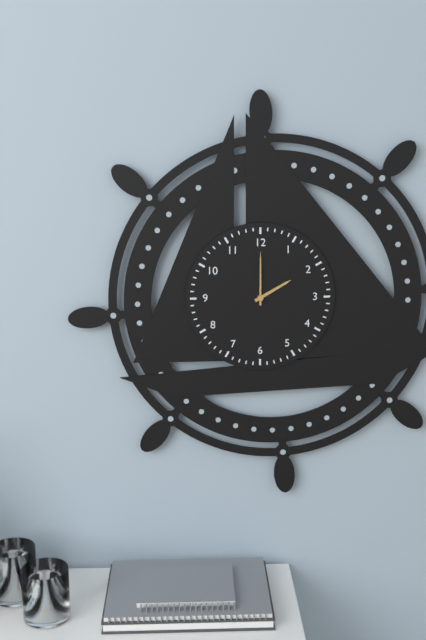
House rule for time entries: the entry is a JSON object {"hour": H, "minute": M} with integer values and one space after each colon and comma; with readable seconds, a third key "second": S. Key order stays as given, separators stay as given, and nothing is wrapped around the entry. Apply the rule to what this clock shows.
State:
{"hour": 2, "minute": 0}
